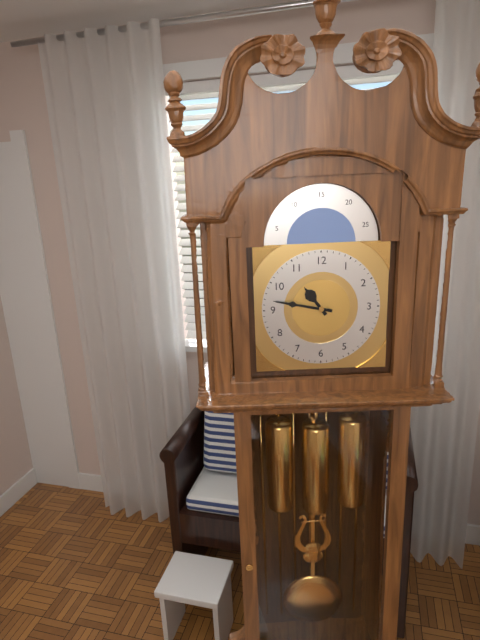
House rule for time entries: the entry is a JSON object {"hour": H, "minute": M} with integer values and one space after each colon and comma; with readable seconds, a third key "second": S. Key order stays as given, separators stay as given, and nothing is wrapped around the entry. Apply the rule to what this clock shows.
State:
{"hour": 10, "minute": 47}
